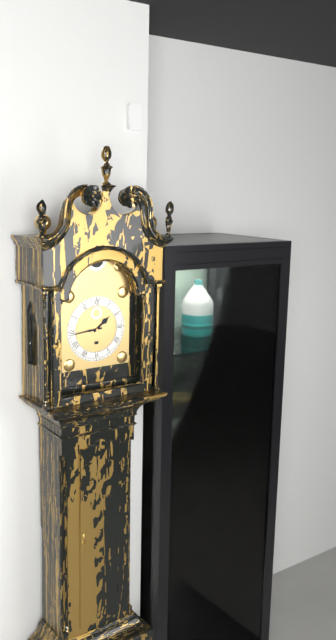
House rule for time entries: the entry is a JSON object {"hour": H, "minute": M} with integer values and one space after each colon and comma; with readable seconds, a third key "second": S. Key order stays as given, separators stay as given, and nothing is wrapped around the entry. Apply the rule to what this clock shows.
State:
{"hour": 1, "minute": 44}
